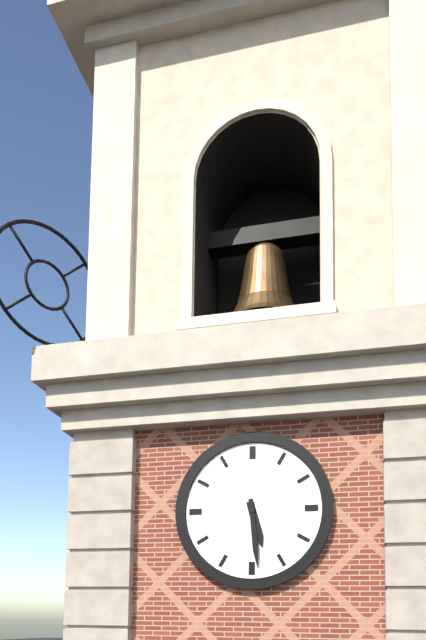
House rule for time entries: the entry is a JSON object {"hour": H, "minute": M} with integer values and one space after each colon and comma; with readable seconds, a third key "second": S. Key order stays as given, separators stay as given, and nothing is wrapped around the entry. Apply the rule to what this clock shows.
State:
{"hour": 5, "minute": 29}
